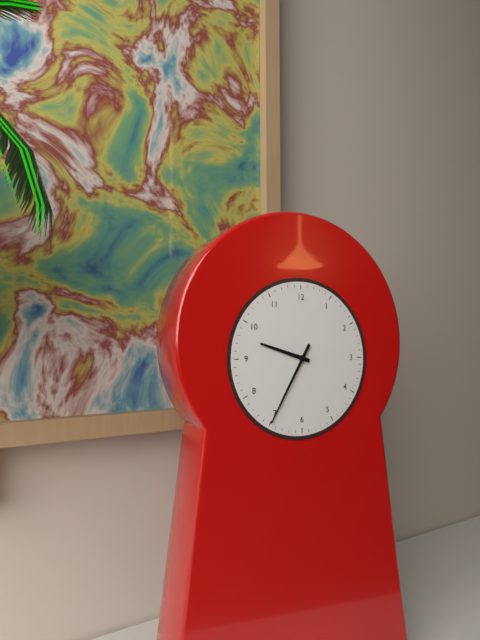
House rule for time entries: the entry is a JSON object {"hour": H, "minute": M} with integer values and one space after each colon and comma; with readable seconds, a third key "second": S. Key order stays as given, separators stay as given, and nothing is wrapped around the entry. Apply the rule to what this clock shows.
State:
{"hour": 9, "minute": 35}
